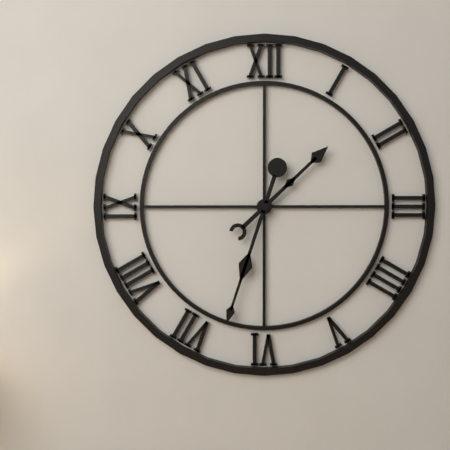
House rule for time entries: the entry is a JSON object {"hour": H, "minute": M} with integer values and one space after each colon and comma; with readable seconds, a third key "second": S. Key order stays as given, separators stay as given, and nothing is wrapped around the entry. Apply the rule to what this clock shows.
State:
{"hour": 1, "minute": 33}
